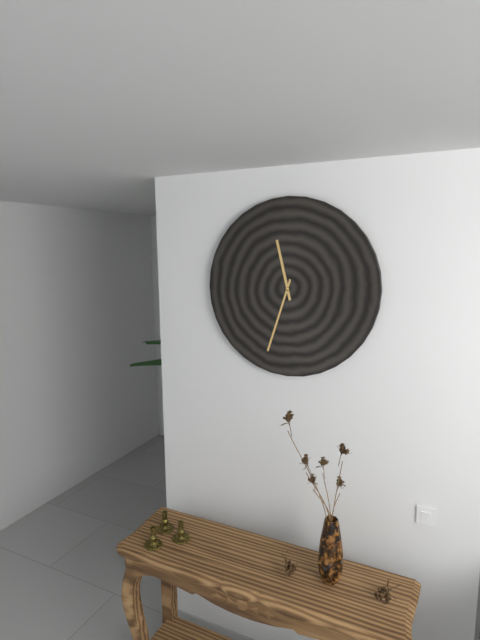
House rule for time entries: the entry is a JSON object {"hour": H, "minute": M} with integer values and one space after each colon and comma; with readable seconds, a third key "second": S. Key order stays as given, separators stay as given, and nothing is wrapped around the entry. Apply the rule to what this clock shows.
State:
{"hour": 11, "minute": 33}
